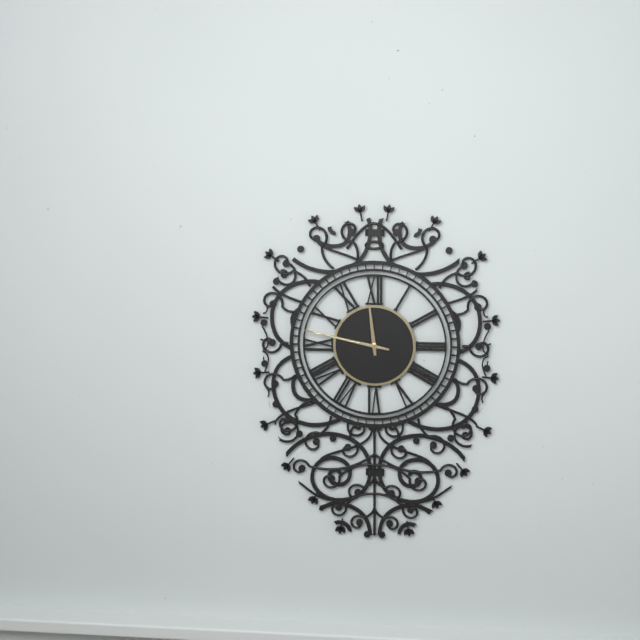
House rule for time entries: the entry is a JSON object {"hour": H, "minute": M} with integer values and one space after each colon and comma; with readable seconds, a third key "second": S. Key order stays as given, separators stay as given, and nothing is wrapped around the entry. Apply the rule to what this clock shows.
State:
{"hour": 11, "minute": 47, "second": 47}
